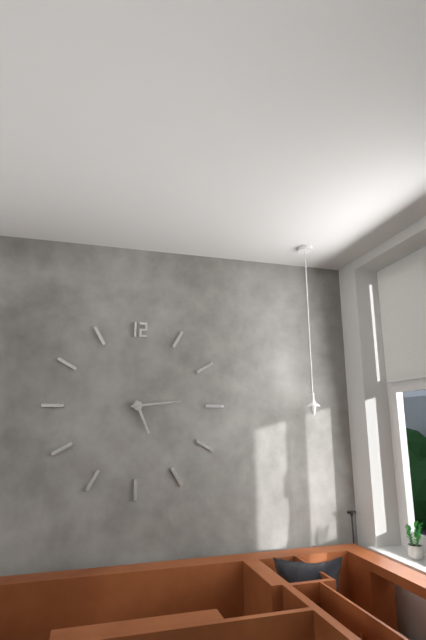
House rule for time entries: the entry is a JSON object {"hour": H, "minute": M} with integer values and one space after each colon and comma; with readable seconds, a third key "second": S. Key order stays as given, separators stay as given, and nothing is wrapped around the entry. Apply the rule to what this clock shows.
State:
{"hour": 5, "minute": 14}
